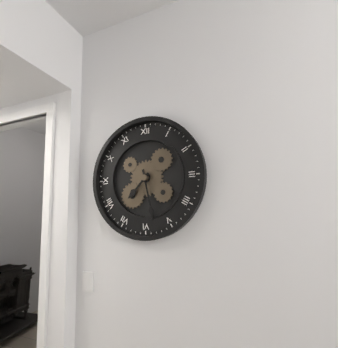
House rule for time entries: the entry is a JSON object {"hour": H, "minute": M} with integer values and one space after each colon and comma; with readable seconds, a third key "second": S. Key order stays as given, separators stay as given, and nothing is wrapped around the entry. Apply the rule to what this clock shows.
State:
{"hour": 7, "minute": 28}
